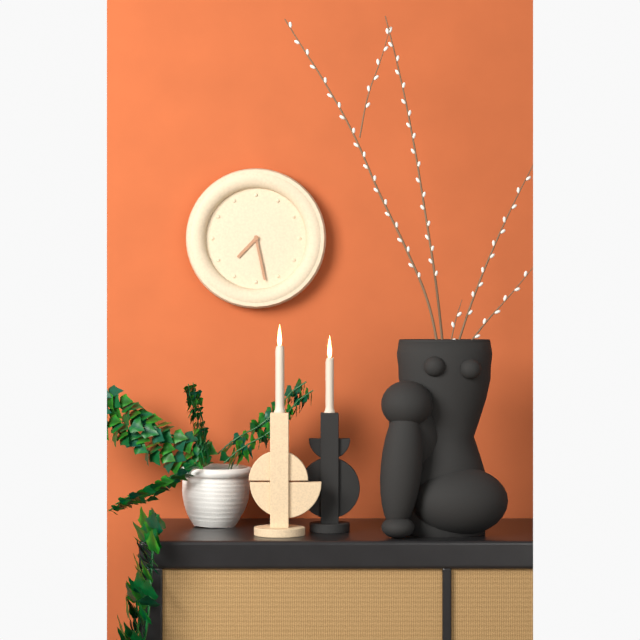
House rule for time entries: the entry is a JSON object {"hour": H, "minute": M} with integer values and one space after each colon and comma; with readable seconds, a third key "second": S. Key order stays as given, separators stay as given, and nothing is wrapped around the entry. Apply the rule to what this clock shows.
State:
{"hour": 7, "minute": 28}
